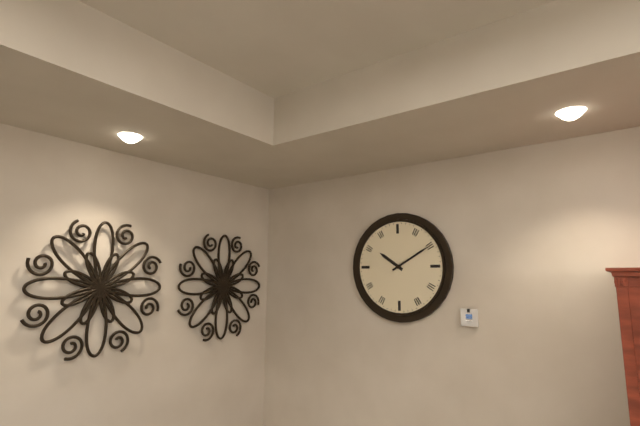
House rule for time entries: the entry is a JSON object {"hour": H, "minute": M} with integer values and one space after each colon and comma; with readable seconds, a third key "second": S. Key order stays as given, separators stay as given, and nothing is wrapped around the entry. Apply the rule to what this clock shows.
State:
{"hour": 10, "minute": 10}
